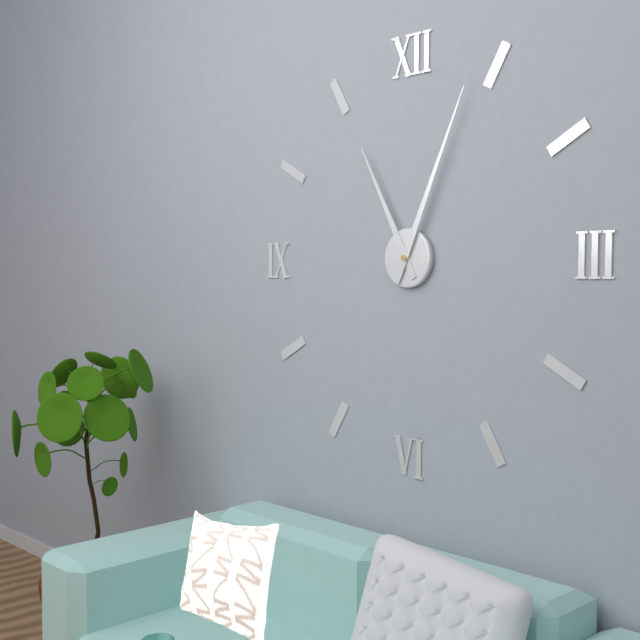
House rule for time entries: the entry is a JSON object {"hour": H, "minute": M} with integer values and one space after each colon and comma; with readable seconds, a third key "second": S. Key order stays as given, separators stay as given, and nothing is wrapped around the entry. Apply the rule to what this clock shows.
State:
{"hour": 11, "minute": 4}
